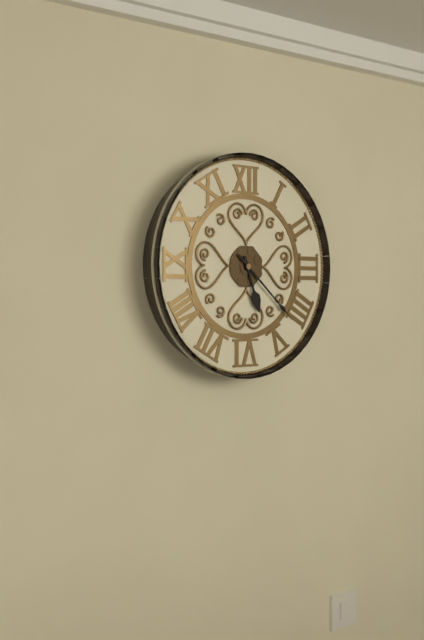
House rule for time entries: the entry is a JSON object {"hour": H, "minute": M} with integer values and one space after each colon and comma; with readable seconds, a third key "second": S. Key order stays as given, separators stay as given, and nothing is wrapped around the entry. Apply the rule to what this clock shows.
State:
{"hour": 5, "minute": 22}
